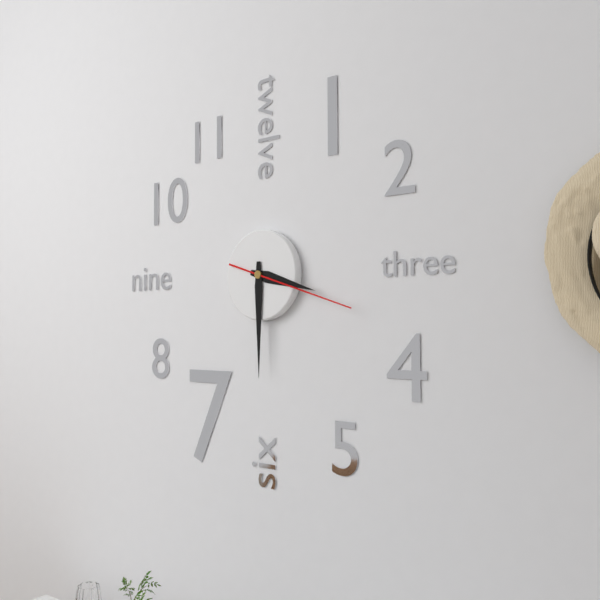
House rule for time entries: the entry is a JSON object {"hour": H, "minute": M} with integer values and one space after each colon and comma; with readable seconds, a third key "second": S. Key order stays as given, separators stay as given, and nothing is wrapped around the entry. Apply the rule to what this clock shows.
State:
{"hour": 3, "minute": 30, "second": 18}
